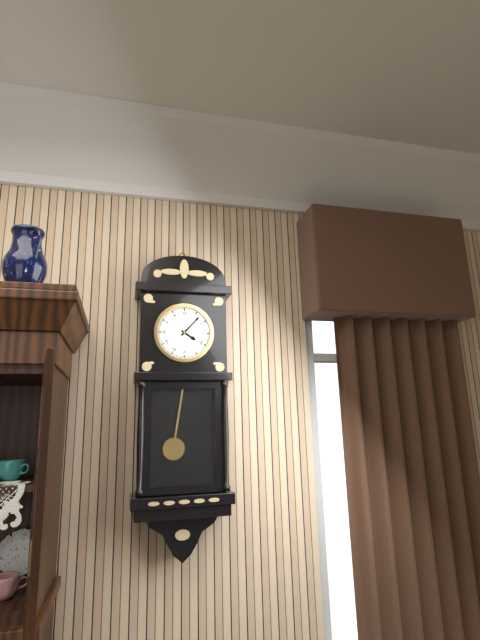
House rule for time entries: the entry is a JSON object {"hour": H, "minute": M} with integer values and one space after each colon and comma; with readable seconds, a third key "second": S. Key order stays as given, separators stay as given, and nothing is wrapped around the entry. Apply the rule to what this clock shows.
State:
{"hour": 4, "minute": 7}
